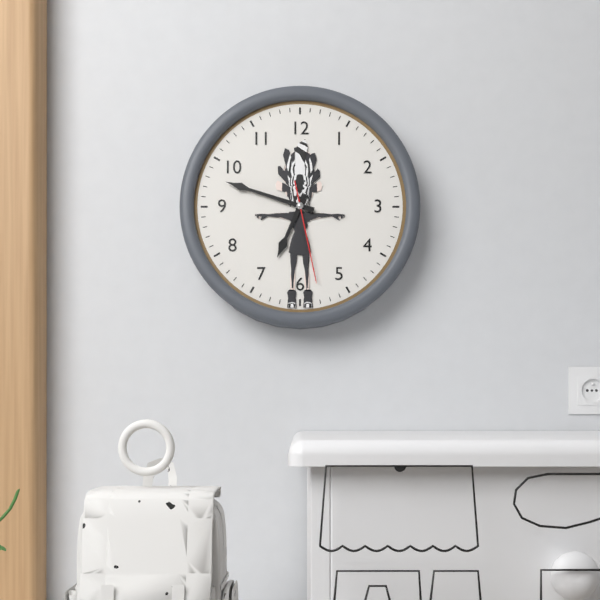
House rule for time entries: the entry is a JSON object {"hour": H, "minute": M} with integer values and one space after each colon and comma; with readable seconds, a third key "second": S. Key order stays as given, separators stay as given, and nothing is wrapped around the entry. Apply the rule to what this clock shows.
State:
{"hour": 6, "minute": 48, "second": 28}
